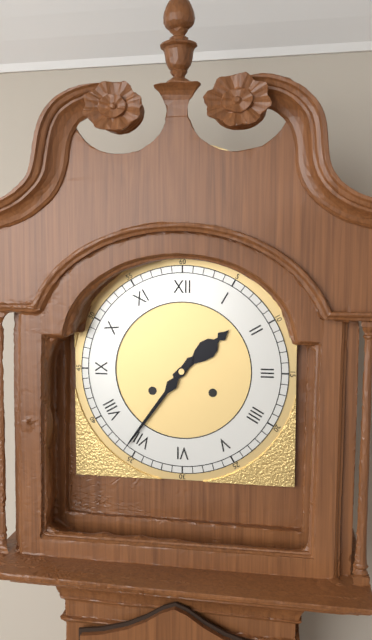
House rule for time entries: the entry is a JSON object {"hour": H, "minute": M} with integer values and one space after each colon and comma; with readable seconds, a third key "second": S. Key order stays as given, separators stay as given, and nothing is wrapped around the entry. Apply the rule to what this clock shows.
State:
{"hour": 1, "minute": 36}
